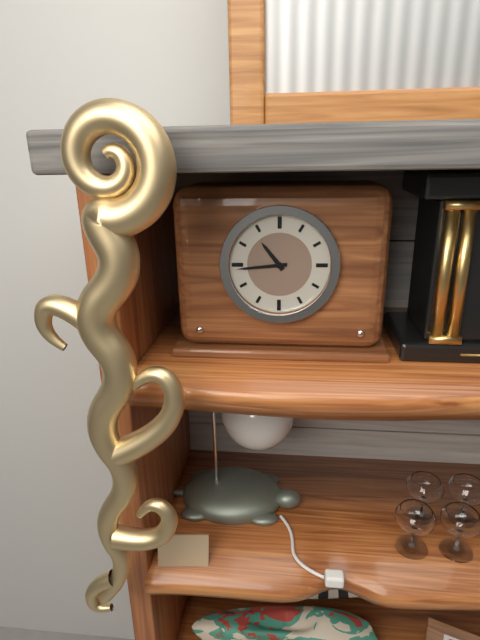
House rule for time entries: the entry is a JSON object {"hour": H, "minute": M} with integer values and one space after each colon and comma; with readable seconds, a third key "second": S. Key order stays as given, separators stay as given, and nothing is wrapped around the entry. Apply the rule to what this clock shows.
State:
{"hour": 10, "minute": 44}
